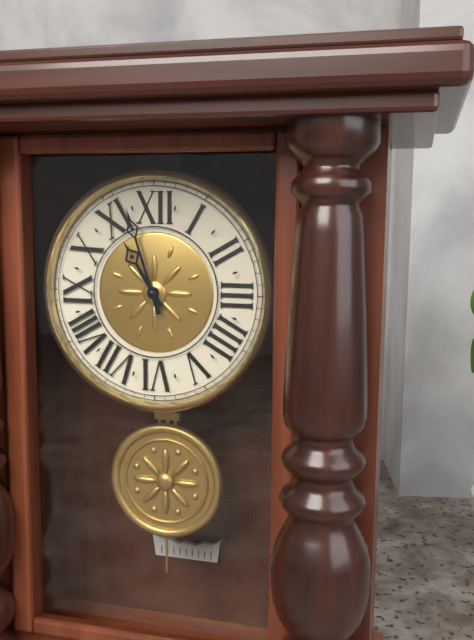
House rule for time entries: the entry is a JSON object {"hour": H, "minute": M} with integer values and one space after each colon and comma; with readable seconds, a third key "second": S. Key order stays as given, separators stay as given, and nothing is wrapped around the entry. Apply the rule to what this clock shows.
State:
{"hour": 10, "minute": 57}
